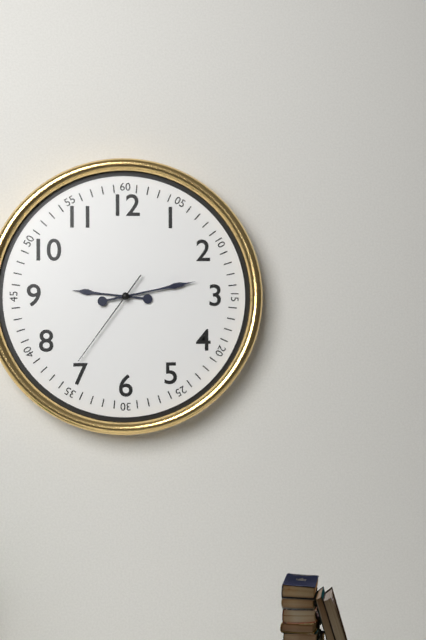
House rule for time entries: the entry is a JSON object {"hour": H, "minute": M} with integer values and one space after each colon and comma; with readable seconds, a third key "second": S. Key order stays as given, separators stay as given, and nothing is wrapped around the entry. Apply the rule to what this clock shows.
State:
{"hour": 9, "minute": 13, "second": 36}
